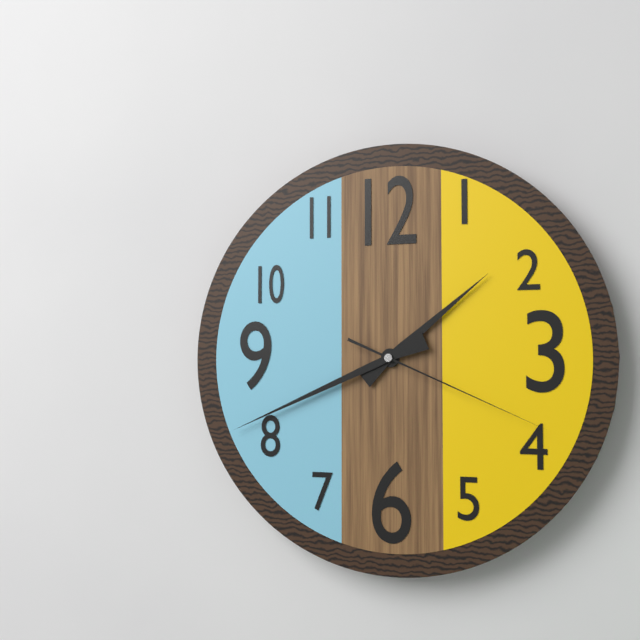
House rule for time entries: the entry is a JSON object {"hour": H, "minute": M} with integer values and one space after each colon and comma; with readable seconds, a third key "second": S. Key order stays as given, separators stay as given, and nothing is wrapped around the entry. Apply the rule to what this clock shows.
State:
{"hour": 1, "minute": 41, "second": 19}
